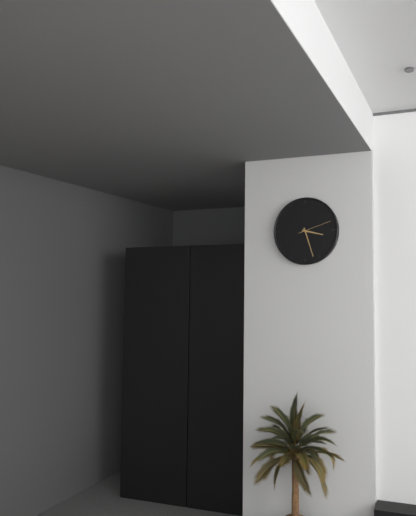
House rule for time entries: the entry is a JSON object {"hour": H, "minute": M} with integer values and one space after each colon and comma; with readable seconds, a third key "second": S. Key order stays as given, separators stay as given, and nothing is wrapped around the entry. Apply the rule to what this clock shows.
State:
{"hour": 3, "minute": 27}
